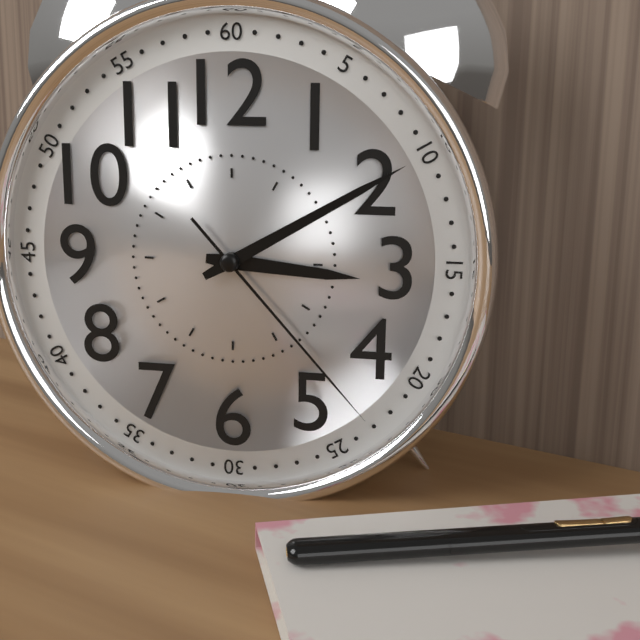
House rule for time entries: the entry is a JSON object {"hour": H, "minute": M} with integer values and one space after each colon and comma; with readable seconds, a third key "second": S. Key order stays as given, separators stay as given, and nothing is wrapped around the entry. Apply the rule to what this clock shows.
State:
{"hour": 3, "minute": 10, "second": 23}
